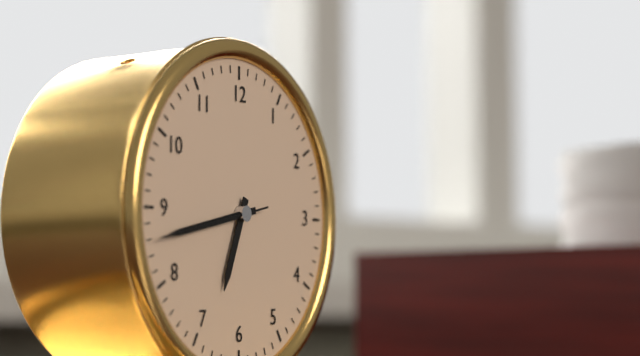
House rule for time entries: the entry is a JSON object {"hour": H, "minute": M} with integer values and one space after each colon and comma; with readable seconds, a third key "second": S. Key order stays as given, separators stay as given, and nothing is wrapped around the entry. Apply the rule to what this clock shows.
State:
{"hour": 6, "minute": 43, "second": 43}
